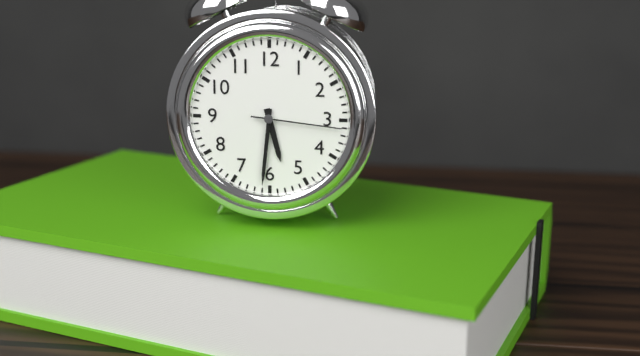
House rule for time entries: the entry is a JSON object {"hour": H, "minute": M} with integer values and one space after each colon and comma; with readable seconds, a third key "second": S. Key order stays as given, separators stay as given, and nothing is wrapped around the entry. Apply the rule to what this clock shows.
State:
{"hour": 5, "minute": 31, "second": 16}
